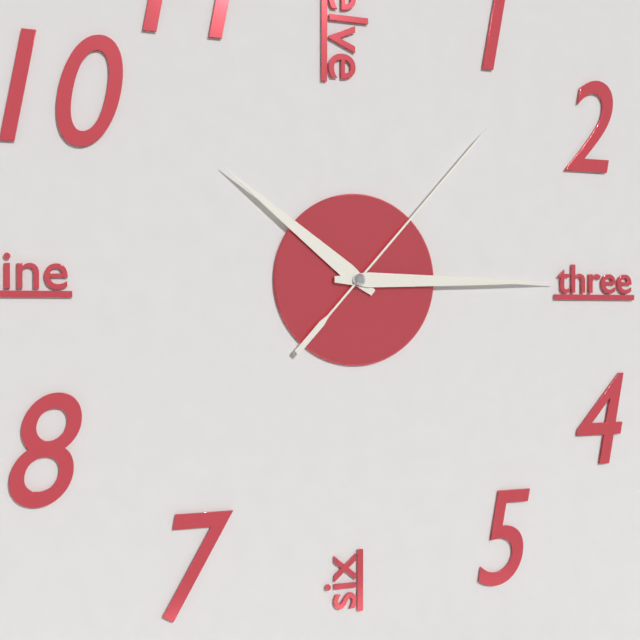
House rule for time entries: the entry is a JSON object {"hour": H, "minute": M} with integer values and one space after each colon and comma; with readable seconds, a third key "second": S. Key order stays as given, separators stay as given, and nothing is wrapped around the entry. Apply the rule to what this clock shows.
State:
{"hour": 10, "minute": 15, "second": 7}
